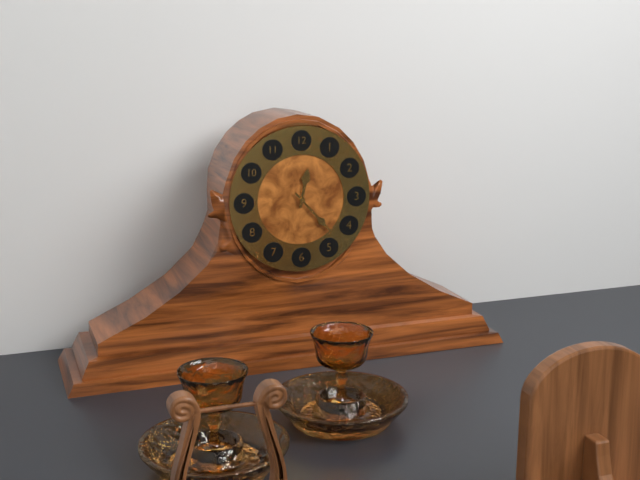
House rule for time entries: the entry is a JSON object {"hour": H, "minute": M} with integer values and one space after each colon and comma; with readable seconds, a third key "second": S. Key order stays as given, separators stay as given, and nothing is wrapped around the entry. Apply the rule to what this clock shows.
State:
{"hour": 12, "minute": 23}
